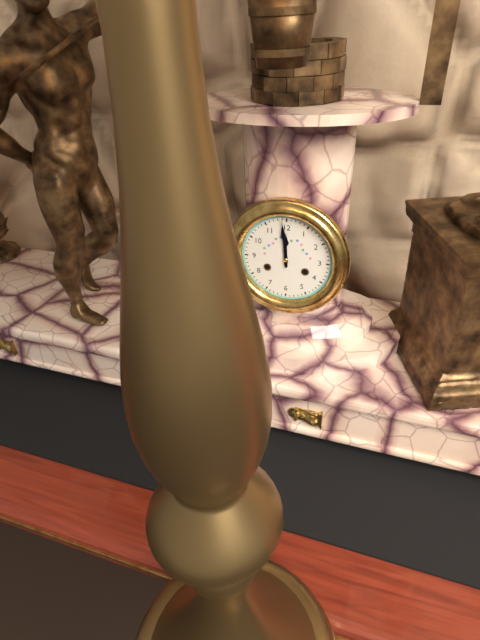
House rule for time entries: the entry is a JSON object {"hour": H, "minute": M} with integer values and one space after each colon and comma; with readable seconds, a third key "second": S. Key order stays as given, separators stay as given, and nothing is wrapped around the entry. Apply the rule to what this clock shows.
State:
{"hour": 11, "minute": 59}
